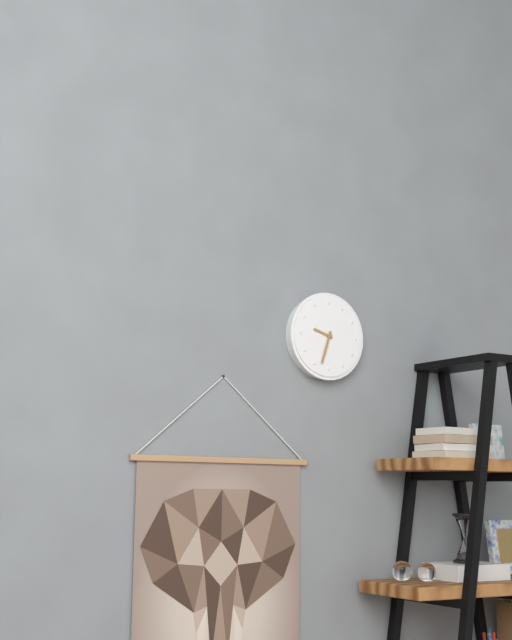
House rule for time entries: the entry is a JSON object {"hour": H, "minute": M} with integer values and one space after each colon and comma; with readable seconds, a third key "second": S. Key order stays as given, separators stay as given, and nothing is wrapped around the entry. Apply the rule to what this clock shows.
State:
{"hour": 9, "minute": 33}
